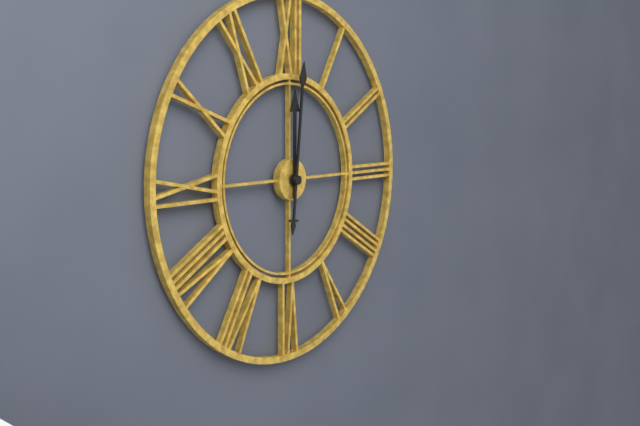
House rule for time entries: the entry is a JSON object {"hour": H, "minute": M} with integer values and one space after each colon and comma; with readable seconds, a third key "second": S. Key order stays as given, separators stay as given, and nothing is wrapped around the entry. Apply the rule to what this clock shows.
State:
{"hour": 12, "minute": 1}
